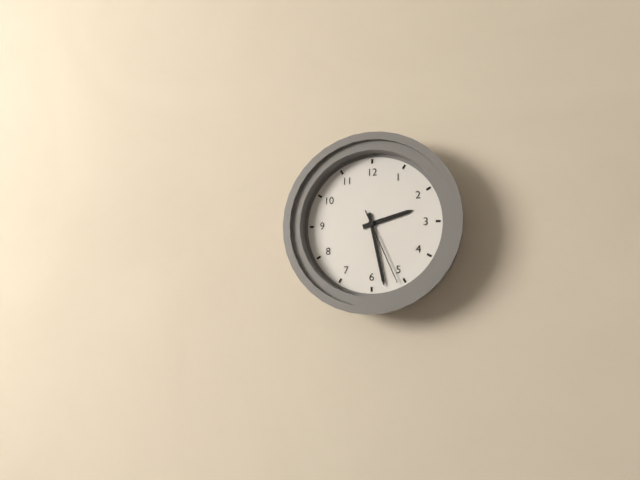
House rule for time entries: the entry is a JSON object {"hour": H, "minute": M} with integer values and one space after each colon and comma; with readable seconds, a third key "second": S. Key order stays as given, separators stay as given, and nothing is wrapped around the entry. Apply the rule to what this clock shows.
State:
{"hour": 2, "minute": 28, "second": 26}
